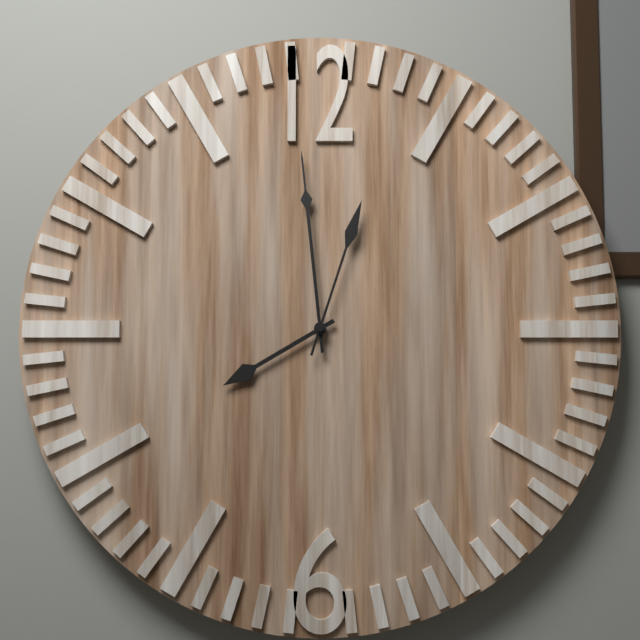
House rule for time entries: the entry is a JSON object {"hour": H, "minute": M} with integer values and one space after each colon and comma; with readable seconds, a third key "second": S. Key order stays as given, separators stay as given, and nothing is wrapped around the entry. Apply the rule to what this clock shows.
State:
{"hour": 7, "minute": 59, "second": 3}
